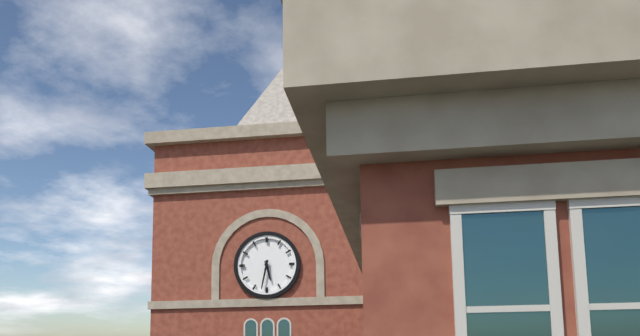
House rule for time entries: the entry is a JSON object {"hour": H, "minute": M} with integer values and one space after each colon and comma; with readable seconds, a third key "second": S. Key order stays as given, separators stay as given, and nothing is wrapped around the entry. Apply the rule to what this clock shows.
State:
{"hour": 5, "minute": 32}
